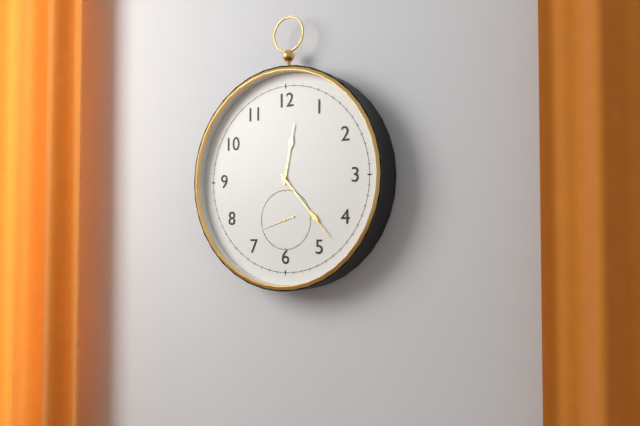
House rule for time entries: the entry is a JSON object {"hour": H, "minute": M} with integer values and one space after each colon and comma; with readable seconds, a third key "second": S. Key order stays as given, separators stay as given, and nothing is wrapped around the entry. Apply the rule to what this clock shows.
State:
{"hour": 12, "minute": 23}
